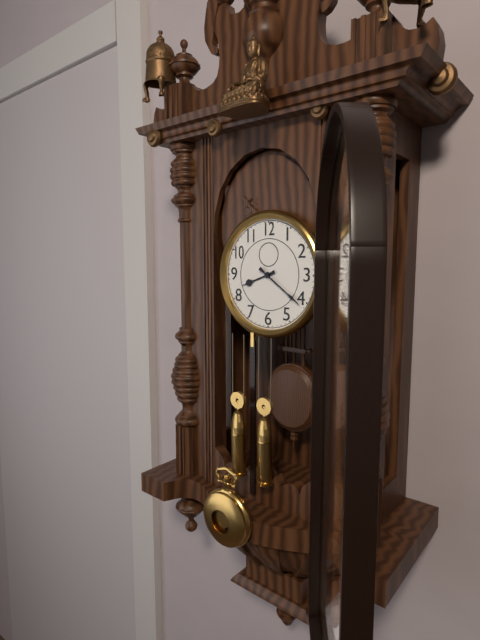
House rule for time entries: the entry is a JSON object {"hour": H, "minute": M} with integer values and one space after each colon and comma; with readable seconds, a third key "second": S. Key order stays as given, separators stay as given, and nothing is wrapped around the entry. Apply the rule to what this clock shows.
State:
{"hour": 8, "minute": 21}
